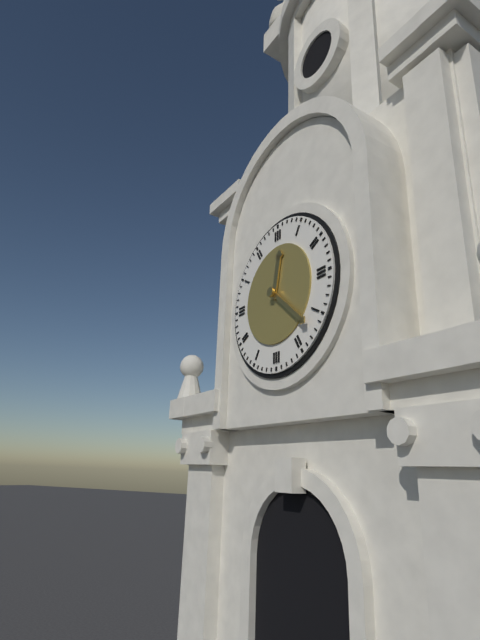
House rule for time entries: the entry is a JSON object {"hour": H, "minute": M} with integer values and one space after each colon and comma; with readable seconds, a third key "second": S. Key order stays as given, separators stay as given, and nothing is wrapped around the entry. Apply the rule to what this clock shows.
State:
{"hour": 12, "minute": 22}
